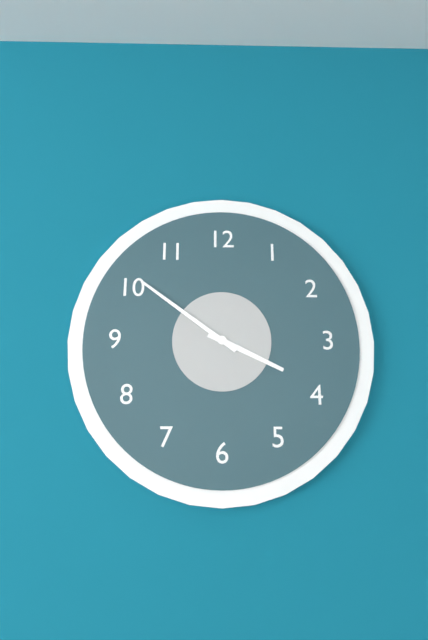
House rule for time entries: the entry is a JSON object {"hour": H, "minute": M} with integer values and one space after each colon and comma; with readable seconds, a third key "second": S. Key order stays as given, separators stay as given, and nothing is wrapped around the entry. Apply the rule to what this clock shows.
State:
{"hour": 3, "minute": 51}
